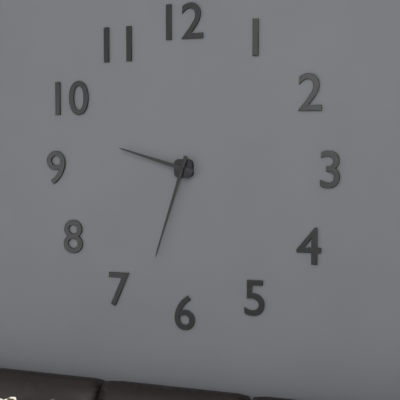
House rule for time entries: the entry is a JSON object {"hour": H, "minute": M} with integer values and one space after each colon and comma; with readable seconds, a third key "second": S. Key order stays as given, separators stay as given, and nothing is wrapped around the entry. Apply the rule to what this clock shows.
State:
{"hour": 9, "minute": 33}
